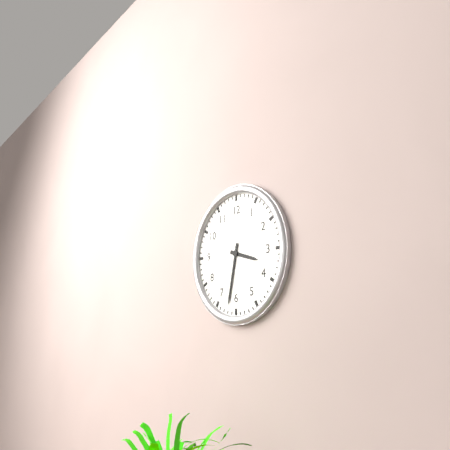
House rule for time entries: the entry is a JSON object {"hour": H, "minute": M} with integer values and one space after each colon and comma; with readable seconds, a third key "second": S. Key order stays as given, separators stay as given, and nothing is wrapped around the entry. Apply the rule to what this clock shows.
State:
{"hour": 3, "minute": 32}
